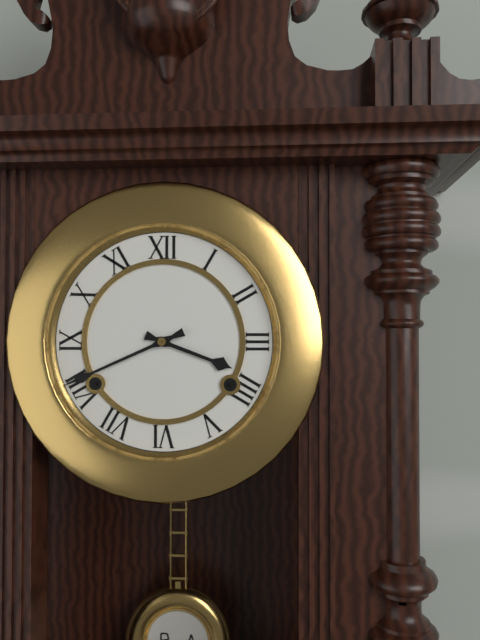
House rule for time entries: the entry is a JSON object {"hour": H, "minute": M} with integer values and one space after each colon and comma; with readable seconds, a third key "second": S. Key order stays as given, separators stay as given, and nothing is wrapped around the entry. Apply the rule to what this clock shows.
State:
{"hour": 3, "minute": 41}
